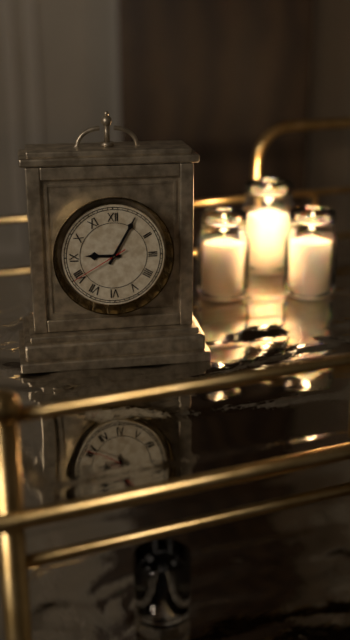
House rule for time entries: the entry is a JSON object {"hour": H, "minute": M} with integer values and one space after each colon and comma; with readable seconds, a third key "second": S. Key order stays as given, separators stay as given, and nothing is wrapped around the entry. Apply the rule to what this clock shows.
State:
{"hour": 9, "minute": 5, "second": 40}
